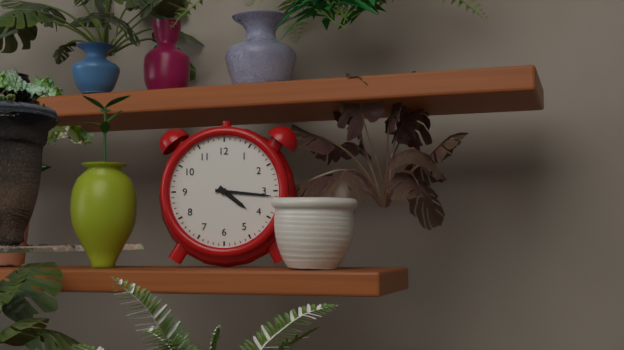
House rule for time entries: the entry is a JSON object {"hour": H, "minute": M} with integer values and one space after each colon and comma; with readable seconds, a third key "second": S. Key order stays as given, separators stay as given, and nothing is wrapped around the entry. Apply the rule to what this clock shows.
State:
{"hour": 4, "minute": 16}
